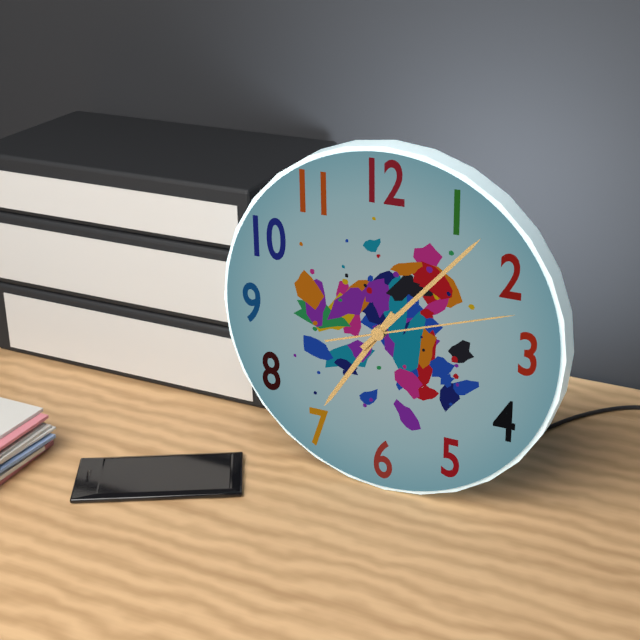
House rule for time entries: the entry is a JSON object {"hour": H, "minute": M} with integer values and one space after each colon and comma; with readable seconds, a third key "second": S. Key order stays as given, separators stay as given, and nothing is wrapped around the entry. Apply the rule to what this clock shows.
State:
{"hour": 7, "minute": 7, "second": 12}
